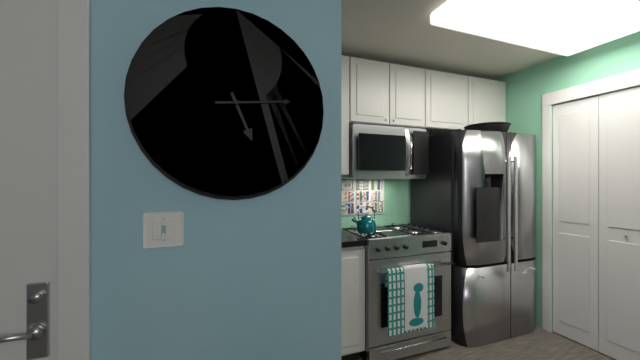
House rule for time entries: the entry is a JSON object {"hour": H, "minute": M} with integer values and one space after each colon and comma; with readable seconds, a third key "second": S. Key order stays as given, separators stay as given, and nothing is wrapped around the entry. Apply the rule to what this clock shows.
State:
{"hour": 5, "minute": 14}
